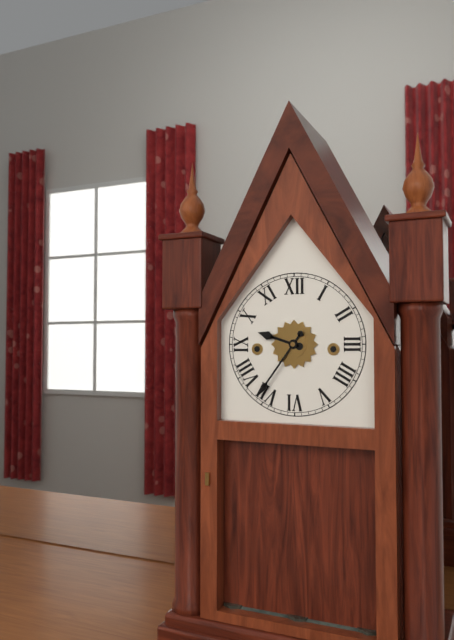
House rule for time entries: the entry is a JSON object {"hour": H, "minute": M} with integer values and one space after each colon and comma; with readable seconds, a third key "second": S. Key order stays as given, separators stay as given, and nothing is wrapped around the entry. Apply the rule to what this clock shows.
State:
{"hour": 9, "minute": 36}
